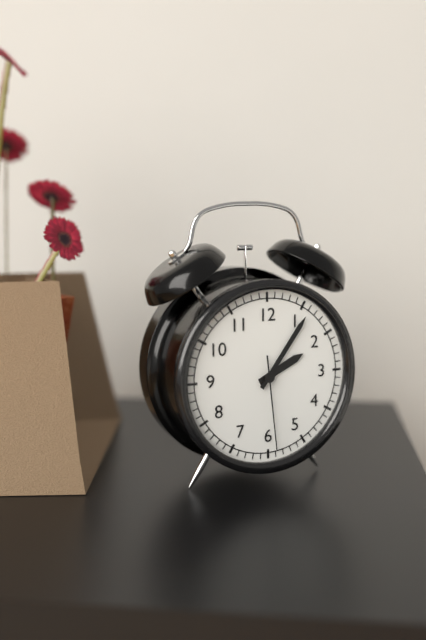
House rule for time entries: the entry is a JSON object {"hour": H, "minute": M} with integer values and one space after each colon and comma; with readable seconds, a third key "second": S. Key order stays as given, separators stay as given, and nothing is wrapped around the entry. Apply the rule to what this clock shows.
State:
{"hour": 2, "minute": 6, "second": 29}
